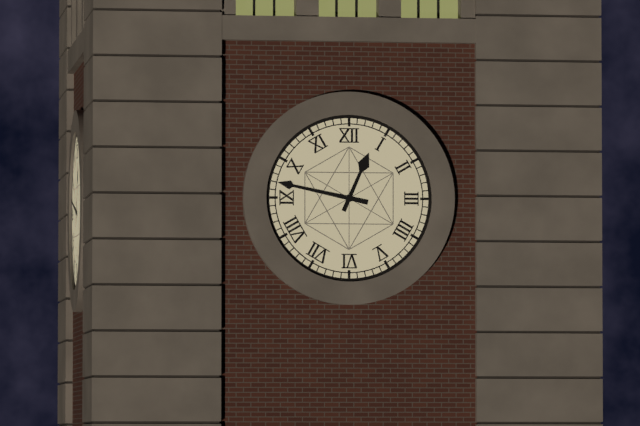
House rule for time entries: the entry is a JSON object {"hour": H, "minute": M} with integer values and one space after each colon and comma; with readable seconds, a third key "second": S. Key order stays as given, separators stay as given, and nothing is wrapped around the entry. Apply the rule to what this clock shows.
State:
{"hour": 12, "minute": 47}
